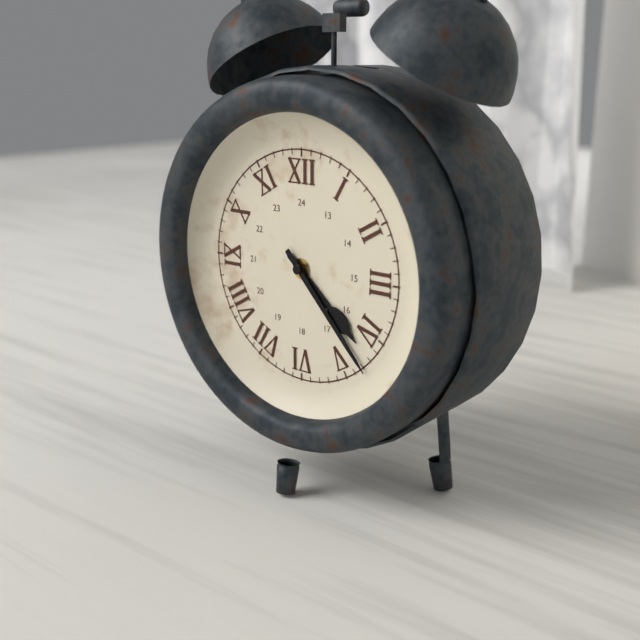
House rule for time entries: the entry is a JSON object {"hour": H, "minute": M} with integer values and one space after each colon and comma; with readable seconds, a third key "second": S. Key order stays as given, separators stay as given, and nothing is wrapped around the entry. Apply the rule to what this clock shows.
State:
{"hour": 4, "minute": 23}
